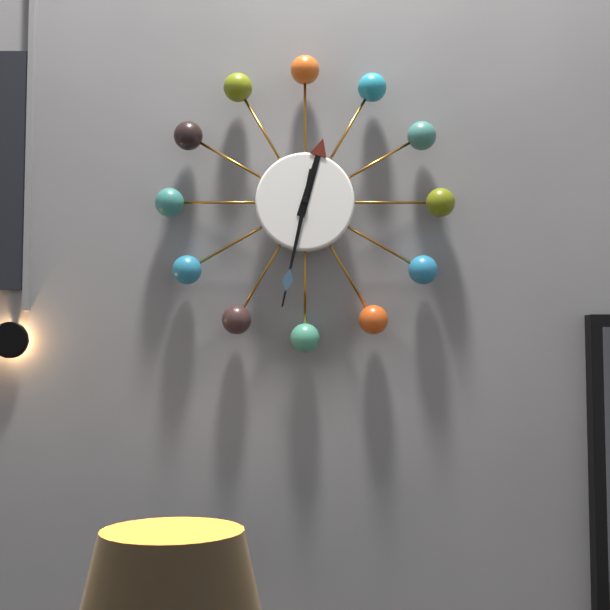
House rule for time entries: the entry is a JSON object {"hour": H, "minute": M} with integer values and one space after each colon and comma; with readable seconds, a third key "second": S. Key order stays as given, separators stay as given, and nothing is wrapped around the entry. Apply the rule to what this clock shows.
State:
{"hour": 12, "minute": 32}
